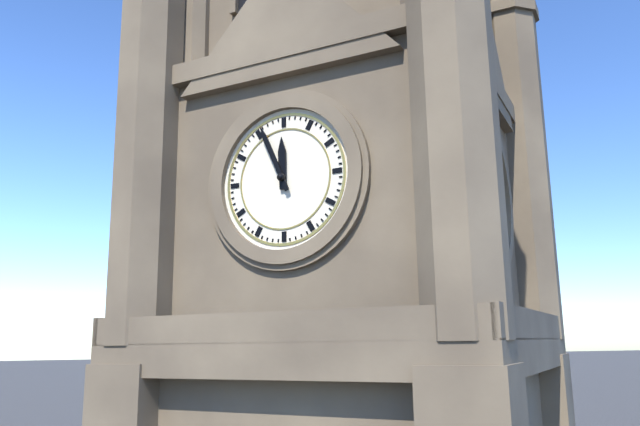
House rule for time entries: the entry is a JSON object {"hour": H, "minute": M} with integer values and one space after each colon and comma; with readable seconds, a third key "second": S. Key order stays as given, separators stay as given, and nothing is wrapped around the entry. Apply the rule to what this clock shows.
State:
{"hour": 11, "minute": 56}
